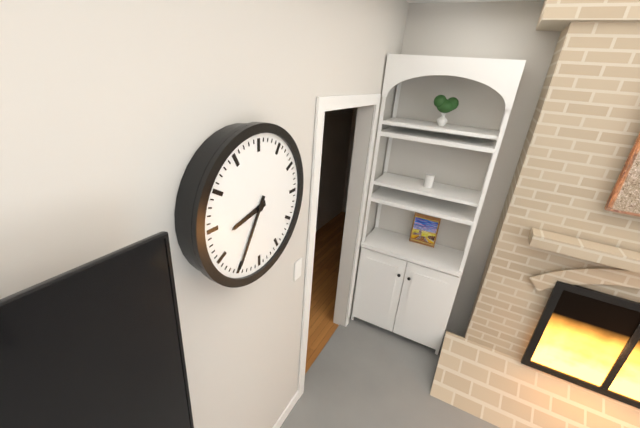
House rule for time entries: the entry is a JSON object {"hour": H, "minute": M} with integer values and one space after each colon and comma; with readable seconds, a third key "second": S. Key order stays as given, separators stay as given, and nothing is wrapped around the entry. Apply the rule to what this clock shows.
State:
{"hour": 8, "minute": 35}
